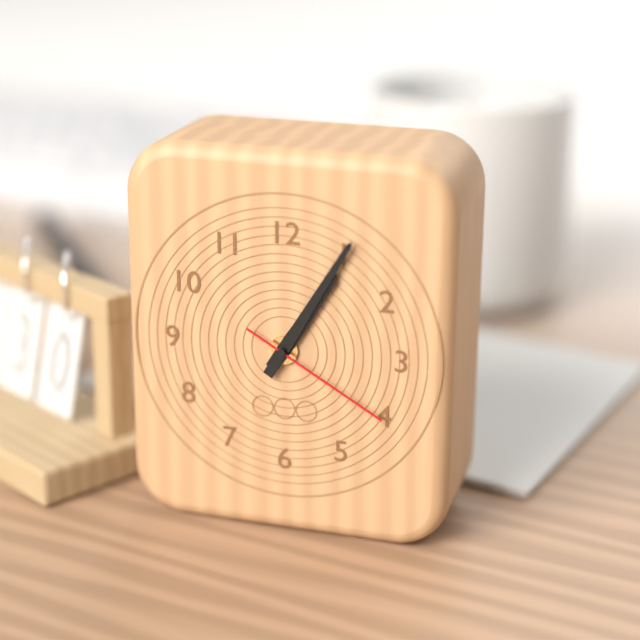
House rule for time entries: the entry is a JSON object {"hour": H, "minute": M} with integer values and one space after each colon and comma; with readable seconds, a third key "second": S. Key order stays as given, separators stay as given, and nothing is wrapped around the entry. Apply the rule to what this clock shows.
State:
{"hour": 1, "minute": 5, "second": 20}
